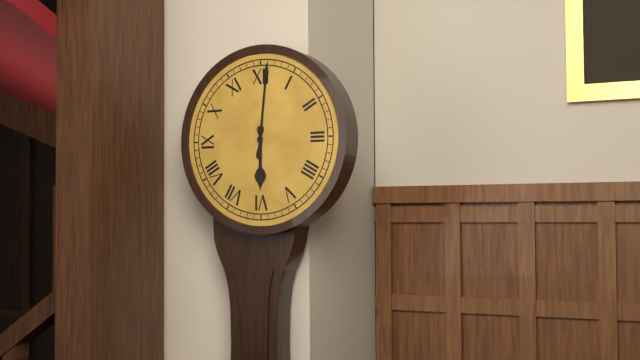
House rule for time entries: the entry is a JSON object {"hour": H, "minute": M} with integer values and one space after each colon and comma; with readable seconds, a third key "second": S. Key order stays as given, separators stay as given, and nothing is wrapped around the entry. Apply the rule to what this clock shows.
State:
{"hour": 6, "minute": 1}
